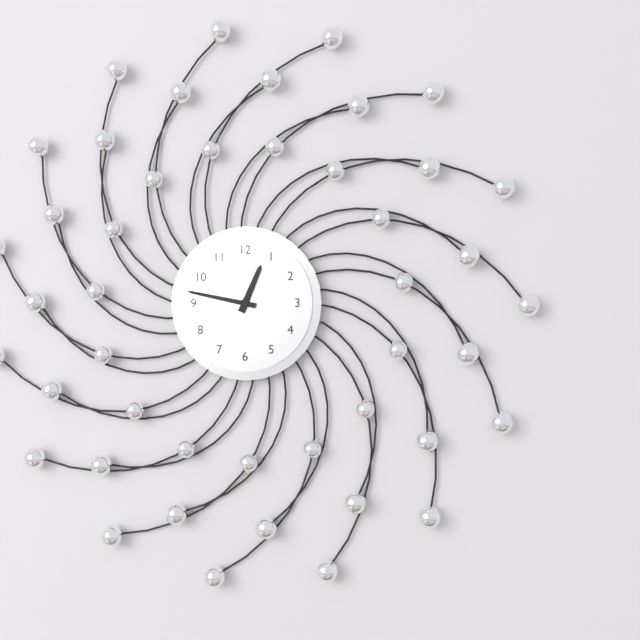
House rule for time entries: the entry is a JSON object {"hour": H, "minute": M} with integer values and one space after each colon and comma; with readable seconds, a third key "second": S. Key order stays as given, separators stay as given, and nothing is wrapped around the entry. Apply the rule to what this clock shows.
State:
{"hour": 12, "minute": 47}
